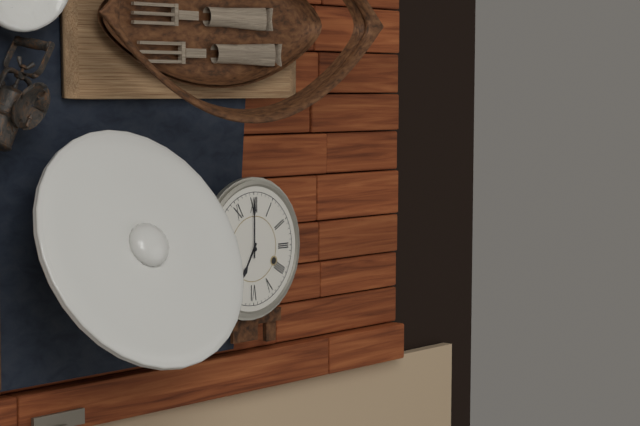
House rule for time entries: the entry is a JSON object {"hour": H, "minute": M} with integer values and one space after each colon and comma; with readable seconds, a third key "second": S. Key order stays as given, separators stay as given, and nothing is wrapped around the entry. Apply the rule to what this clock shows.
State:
{"hour": 7, "minute": 0}
